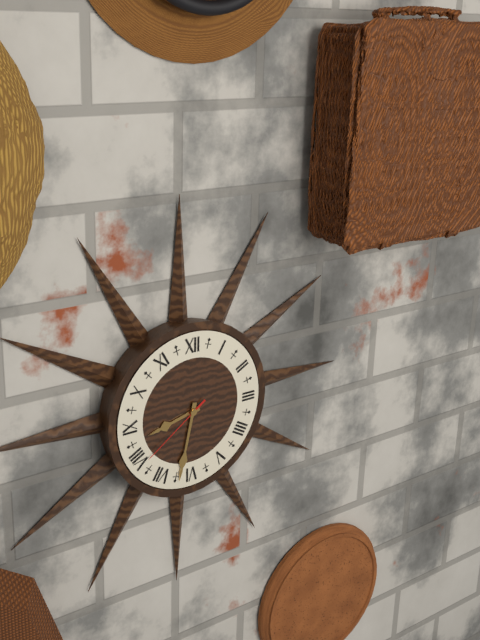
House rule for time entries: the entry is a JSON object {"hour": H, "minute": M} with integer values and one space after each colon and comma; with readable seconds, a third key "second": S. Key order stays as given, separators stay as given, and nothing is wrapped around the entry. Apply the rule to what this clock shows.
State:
{"hour": 8, "minute": 32, "second": 39}
